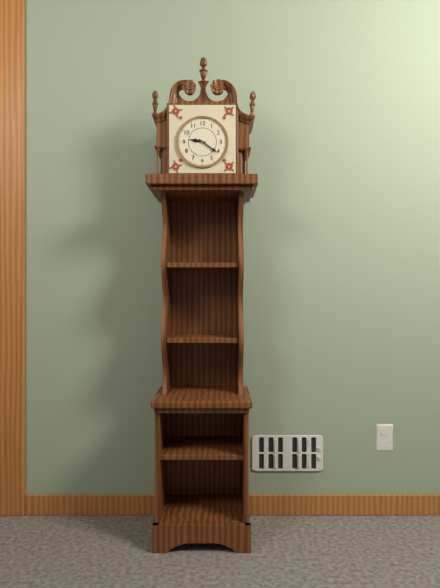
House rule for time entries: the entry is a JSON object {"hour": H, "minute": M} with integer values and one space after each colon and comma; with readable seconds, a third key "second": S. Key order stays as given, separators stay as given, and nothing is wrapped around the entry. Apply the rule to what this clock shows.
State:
{"hour": 9, "minute": 21}
